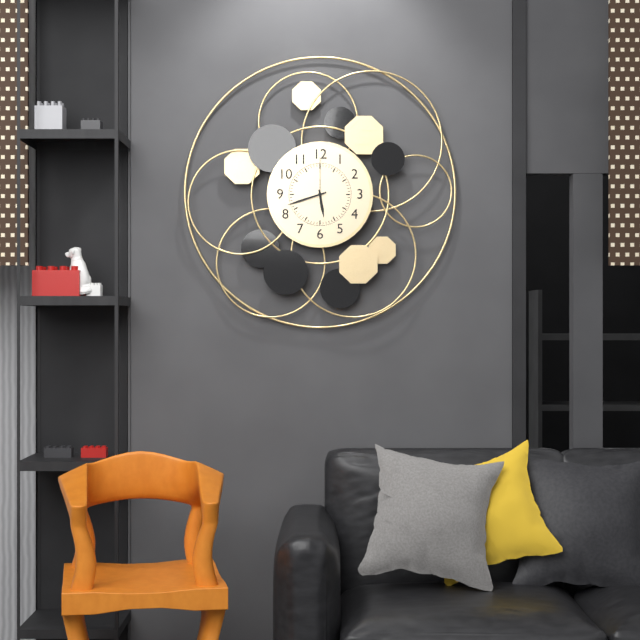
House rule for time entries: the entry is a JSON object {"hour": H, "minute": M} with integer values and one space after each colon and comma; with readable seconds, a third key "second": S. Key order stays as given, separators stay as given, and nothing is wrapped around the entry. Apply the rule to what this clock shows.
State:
{"hour": 5, "minute": 42}
